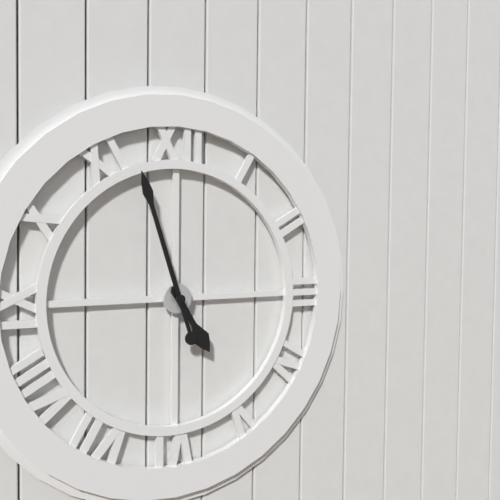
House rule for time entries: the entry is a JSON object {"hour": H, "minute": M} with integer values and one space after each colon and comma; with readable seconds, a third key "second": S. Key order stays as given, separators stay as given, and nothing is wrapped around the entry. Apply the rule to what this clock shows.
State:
{"hour": 4, "minute": 57}
